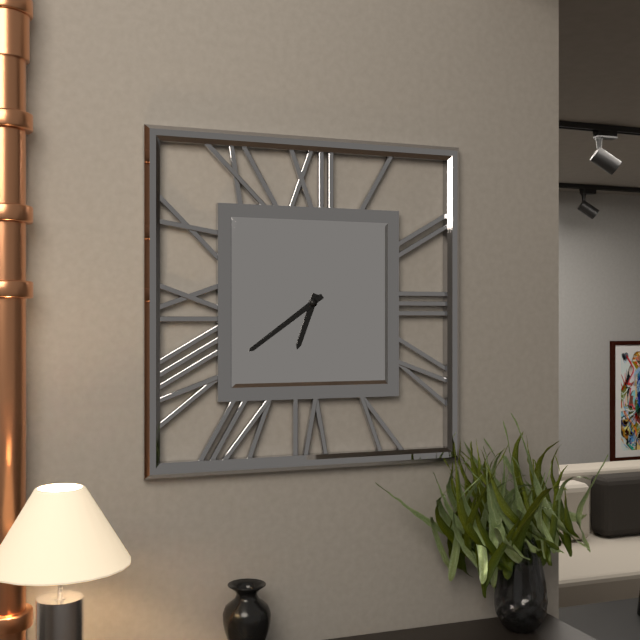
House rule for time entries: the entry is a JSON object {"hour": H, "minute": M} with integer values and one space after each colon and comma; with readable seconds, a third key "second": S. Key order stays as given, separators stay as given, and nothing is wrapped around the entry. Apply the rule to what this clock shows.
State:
{"hour": 6, "minute": 39}
